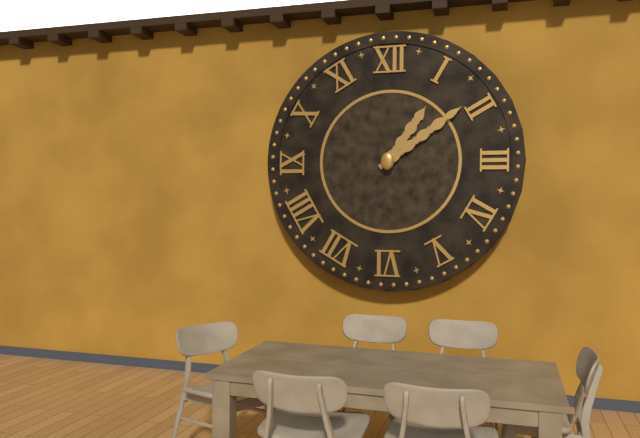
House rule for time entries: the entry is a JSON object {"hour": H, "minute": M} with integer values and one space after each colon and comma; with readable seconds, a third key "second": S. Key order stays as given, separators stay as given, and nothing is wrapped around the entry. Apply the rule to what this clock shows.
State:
{"hour": 1, "minute": 9}
